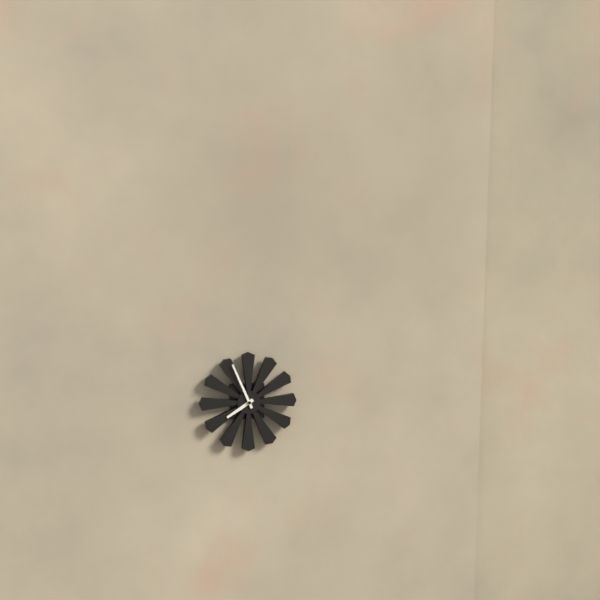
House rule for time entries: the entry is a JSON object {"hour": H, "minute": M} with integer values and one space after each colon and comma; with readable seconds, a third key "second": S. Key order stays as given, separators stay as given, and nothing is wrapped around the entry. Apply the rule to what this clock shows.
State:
{"hour": 7, "minute": 56}
